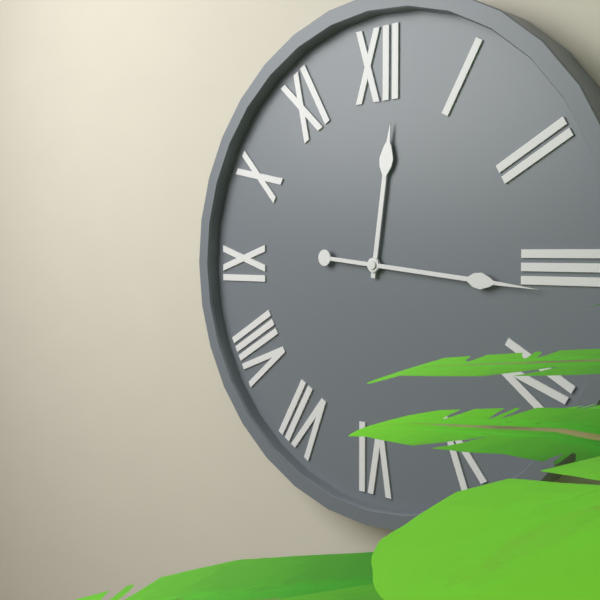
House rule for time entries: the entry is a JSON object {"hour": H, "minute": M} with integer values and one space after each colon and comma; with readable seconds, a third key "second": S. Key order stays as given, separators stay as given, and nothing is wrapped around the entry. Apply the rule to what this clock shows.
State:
{"hour": 12, "minute": 16}
